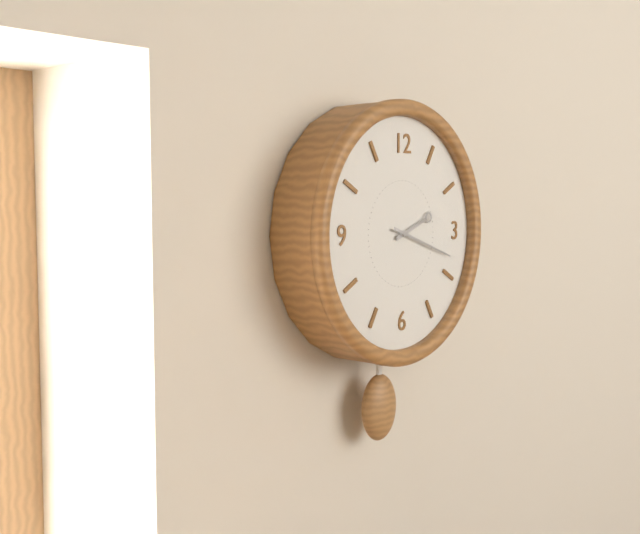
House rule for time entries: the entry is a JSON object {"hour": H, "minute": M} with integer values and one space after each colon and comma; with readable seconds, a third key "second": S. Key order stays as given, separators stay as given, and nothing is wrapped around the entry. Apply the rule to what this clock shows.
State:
{"hour": 2, "minute": 18}
